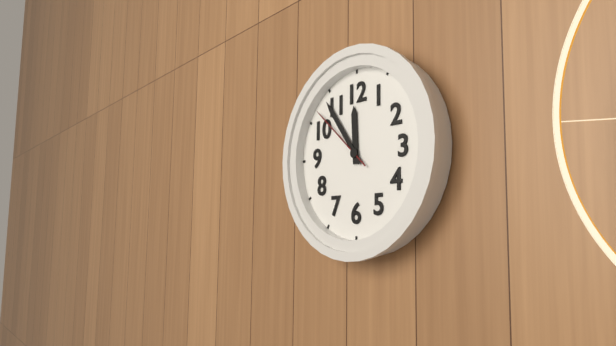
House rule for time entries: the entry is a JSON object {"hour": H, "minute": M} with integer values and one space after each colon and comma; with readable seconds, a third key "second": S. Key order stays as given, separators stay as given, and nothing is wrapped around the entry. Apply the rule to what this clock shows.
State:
{"hour": 11, "minute": 54, "second": 52}
